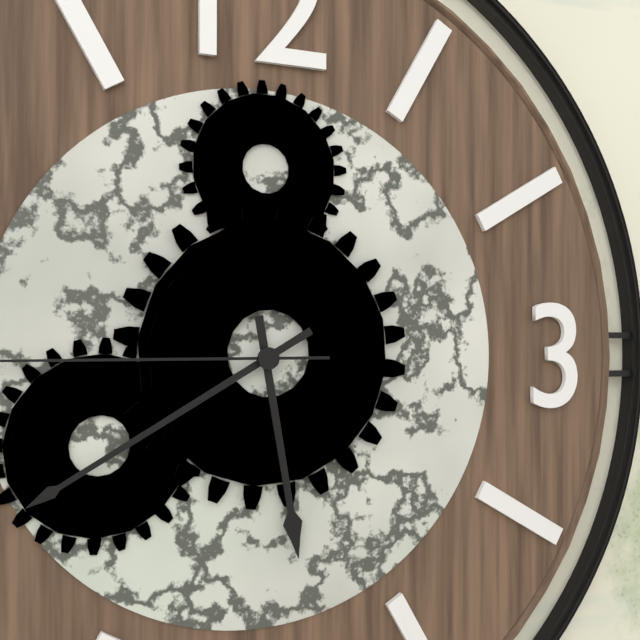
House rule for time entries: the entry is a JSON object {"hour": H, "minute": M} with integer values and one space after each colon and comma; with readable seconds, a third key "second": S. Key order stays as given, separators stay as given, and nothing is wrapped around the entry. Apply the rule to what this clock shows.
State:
{"hour": 5, "minute": 40}
